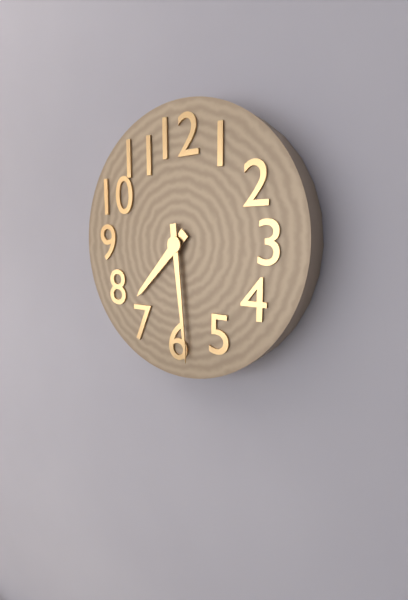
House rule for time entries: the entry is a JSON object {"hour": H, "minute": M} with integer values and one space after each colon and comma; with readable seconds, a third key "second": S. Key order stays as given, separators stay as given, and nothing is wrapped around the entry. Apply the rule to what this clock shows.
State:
{"hour": 7, "minute": 29}
